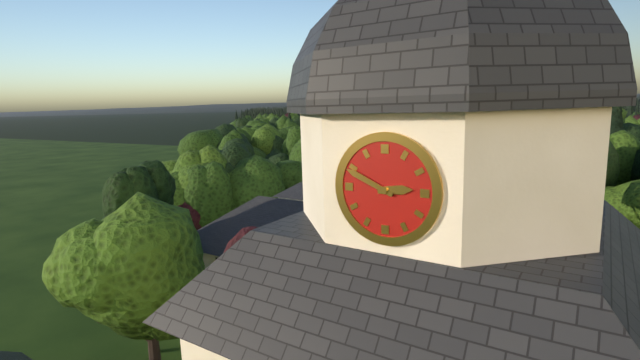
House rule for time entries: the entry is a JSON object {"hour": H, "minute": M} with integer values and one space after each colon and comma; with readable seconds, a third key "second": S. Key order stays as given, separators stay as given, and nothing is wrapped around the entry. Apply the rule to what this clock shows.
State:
{"hour": 2, "minute": 49}
